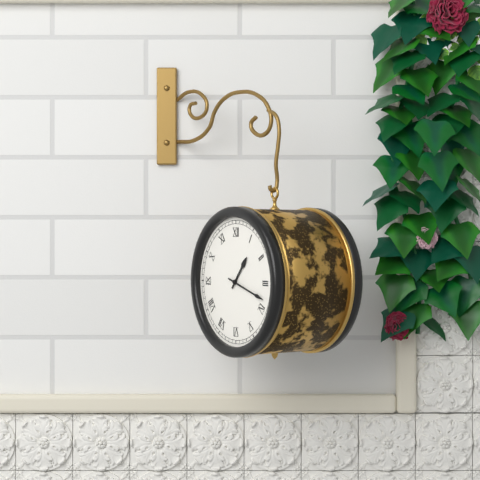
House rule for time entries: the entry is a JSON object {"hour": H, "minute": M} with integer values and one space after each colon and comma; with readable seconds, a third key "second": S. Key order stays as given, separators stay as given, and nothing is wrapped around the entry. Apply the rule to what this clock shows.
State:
{"hour": 1, "minute": 18}
